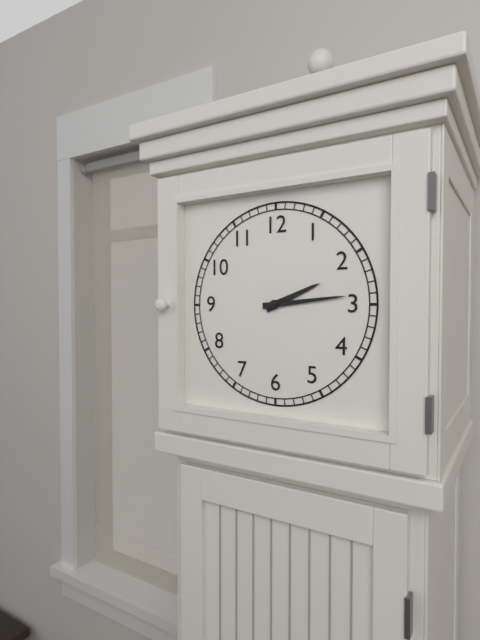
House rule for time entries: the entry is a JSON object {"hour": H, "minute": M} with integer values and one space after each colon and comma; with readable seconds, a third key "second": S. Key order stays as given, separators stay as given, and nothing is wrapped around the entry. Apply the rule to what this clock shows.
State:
{"hour": 2, "minute": 14}
